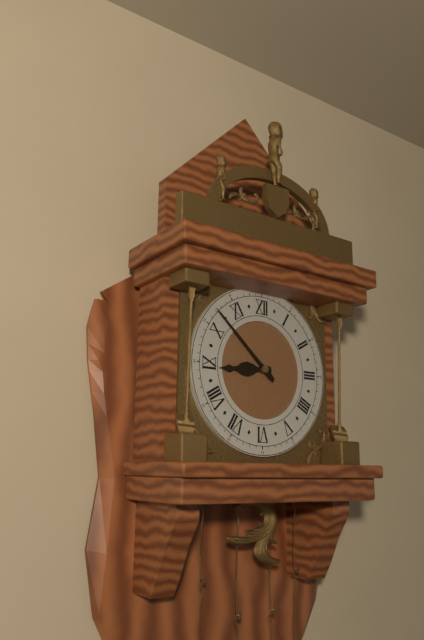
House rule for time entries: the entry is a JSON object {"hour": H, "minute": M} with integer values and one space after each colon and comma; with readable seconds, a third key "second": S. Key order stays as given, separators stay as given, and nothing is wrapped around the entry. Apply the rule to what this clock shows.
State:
{"hour": 8, "minute": 52}
